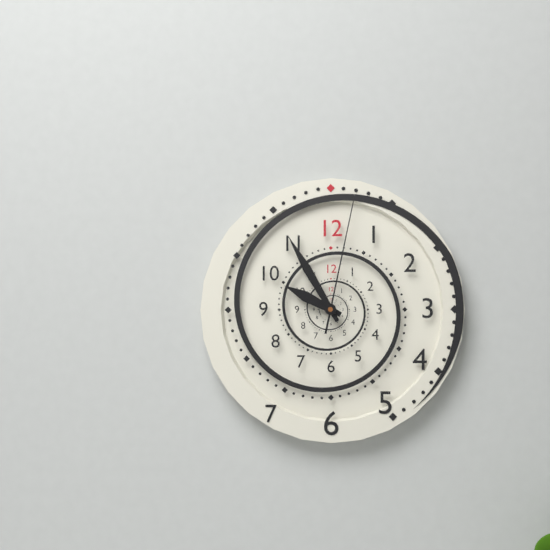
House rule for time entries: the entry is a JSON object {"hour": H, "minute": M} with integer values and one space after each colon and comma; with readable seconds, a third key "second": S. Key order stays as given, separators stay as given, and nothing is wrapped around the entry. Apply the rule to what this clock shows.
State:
{"hour": 9, "minute": 55, "second": 2}
